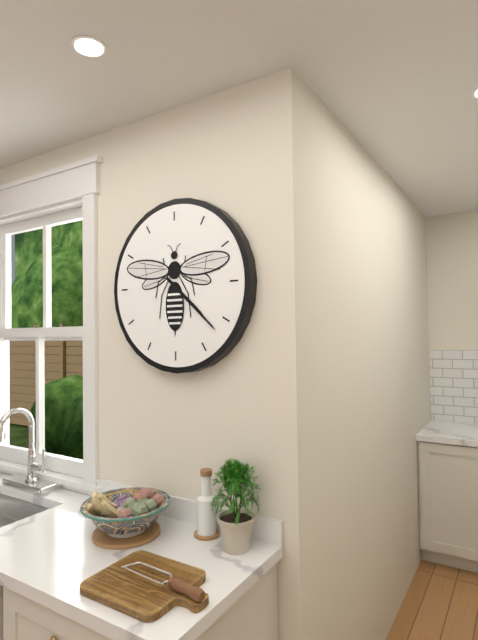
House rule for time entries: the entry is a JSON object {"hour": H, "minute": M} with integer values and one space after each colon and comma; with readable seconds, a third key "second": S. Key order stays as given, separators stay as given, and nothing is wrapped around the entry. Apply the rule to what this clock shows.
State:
{"hour": 4, "minute": 22}
